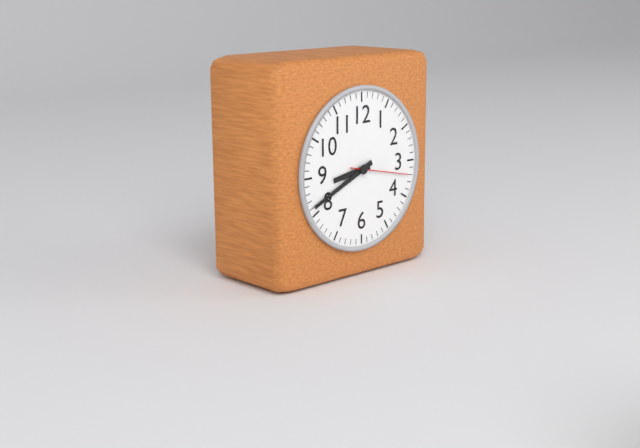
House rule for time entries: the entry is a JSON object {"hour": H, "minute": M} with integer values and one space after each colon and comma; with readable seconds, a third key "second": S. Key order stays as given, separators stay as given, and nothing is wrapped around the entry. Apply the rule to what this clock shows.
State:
{"hour": 8, "minute": 41, "second": 17}
